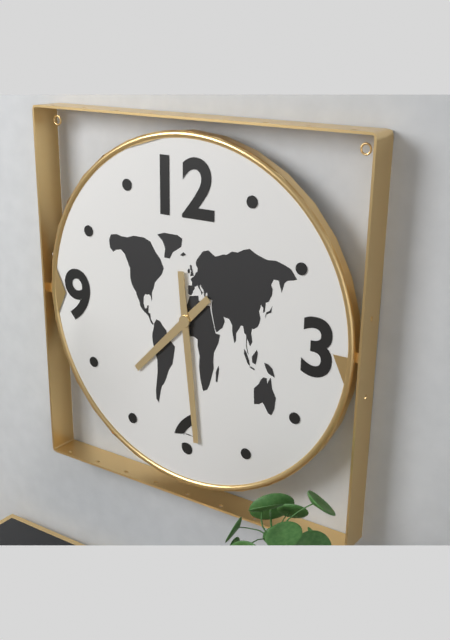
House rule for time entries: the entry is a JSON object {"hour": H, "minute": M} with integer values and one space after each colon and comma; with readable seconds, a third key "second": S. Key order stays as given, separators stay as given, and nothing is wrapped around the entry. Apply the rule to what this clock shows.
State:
{"hour": 7, "minute": 29}
